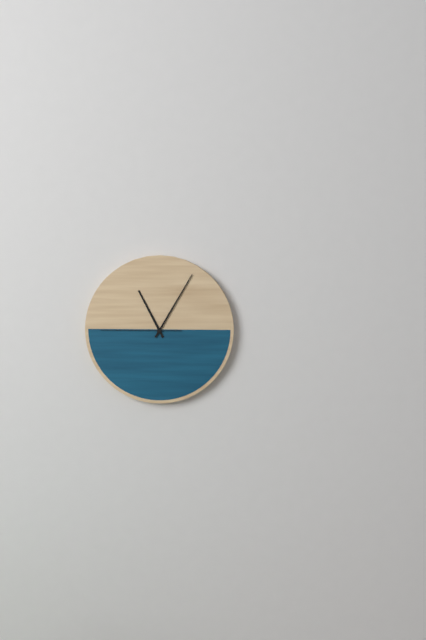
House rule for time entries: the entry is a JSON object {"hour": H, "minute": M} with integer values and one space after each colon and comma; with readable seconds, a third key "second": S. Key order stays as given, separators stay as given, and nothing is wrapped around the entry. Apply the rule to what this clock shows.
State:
{"hour": 11, "minute": 5, "second": 45}
